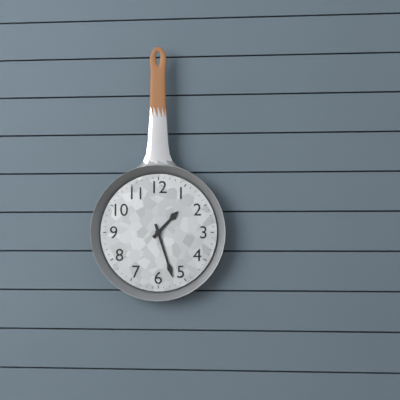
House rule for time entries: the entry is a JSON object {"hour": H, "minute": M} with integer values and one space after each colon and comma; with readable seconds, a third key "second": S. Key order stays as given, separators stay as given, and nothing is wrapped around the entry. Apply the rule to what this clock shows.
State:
{"hour": 1, "minute": 27}
